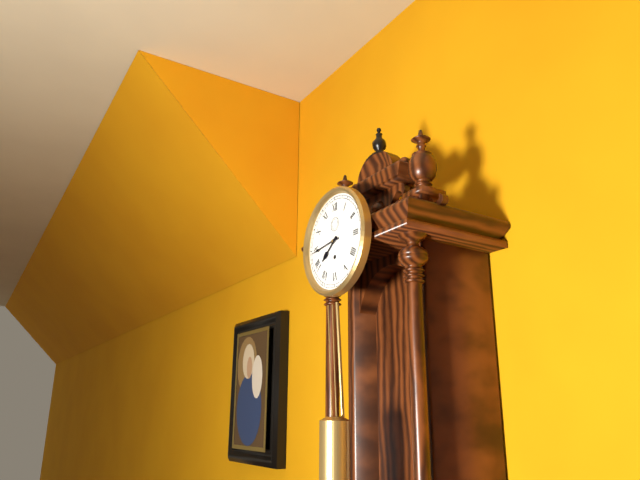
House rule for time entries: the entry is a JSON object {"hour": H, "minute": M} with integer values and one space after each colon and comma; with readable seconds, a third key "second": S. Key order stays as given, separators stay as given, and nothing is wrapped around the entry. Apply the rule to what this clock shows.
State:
{"hour": 7, "minute": 44}
